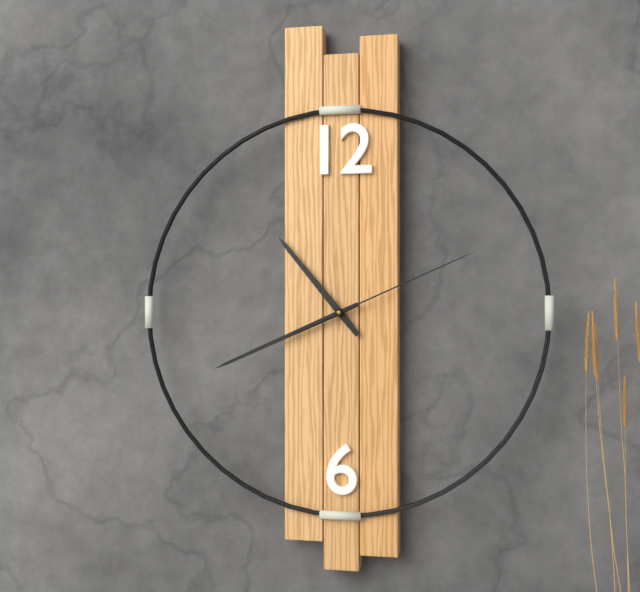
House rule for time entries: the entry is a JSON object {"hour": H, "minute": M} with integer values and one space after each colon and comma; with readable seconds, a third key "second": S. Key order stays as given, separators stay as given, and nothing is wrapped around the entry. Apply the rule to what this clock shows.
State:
{"hour": 10, "minute": 41, "second": 11}
